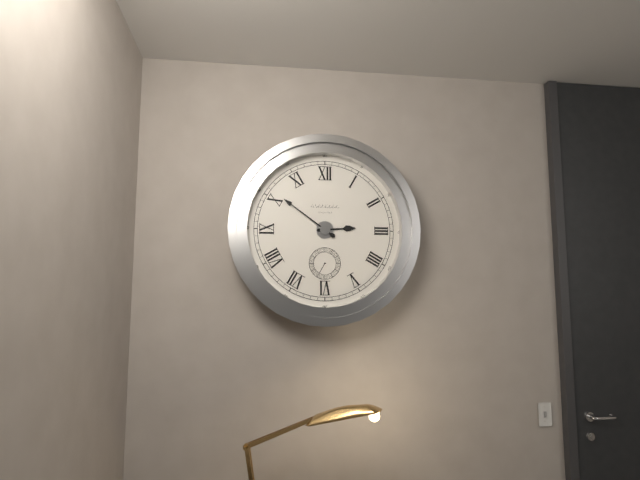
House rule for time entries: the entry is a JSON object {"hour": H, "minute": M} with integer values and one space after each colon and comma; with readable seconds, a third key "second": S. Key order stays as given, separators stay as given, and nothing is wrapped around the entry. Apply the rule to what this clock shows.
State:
{"hour": 2, "minute": 51}
